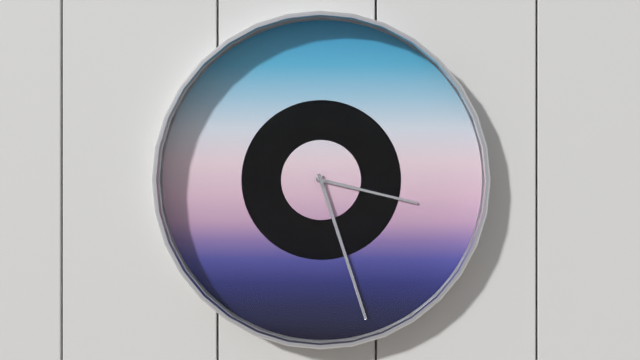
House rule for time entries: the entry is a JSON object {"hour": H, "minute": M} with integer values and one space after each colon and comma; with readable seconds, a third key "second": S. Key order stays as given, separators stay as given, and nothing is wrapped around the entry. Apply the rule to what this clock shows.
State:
{"hour": 3, "minute": 27}
